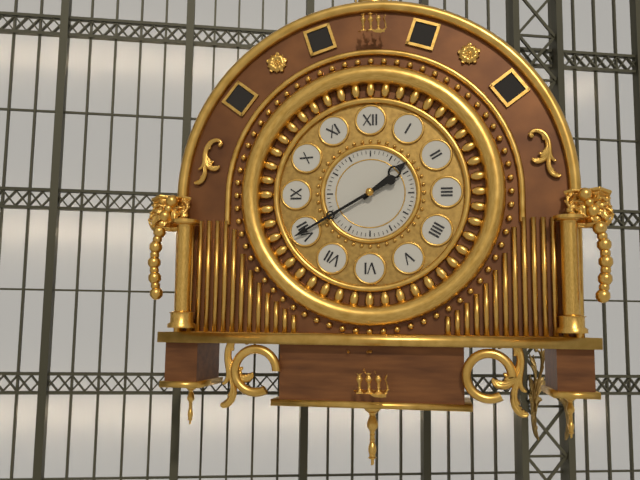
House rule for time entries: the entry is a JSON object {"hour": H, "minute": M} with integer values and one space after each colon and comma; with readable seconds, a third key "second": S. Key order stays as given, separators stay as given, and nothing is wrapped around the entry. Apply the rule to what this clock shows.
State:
{"hour": 1, "minute": 40}
